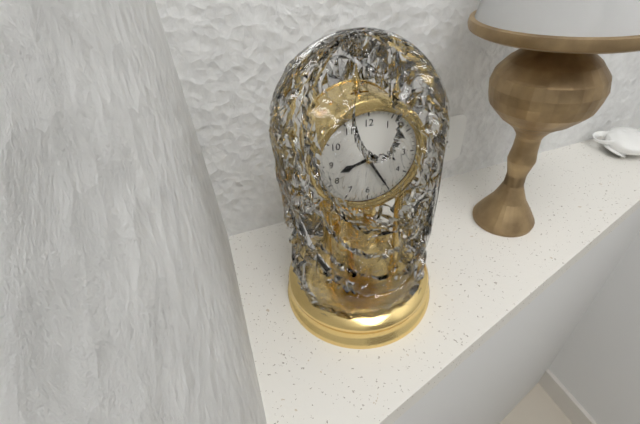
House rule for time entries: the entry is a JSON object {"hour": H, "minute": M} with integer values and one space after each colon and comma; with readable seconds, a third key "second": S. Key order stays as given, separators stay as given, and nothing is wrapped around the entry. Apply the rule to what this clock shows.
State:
{"hour": 8, "minute": 25}
